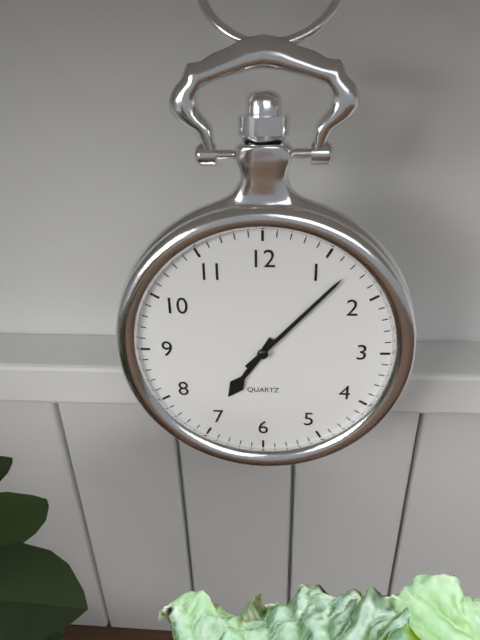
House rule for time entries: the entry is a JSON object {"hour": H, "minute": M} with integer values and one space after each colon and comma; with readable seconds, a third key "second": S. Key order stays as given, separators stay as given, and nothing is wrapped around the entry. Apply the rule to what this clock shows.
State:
{"hour": 7, "minute": 7}
